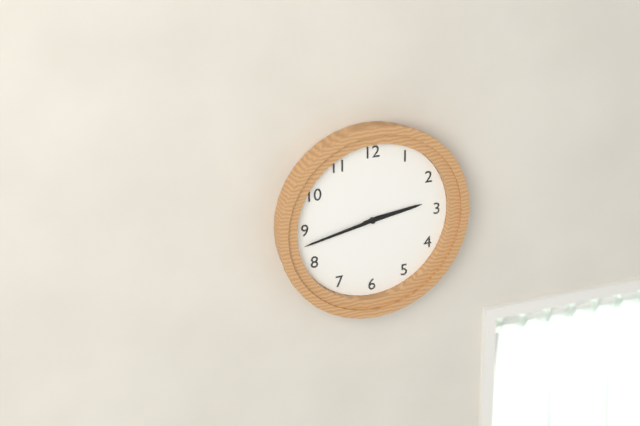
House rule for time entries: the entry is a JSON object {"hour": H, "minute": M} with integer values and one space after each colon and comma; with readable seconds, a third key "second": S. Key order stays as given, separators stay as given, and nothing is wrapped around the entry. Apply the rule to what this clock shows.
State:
{"hour": 2, "minute": 43}
